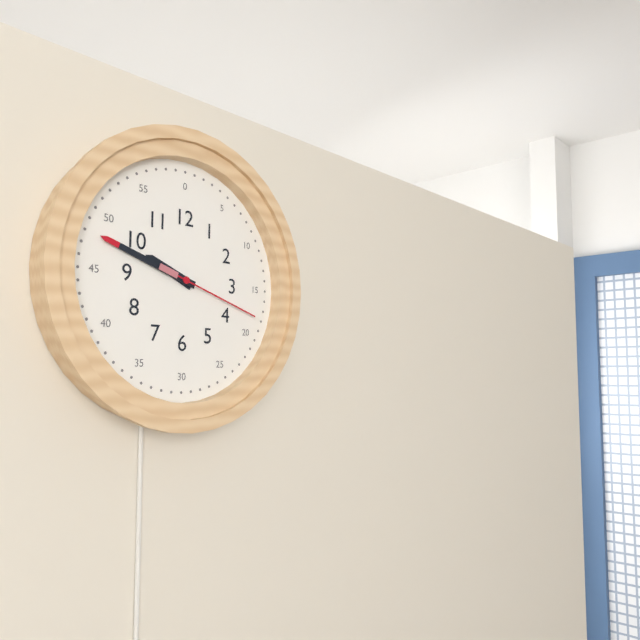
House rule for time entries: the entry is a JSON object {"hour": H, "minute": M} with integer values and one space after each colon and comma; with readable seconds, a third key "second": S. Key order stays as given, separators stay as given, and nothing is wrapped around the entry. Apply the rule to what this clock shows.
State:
{"hour": 9, "minute": 48, "second": 18}
